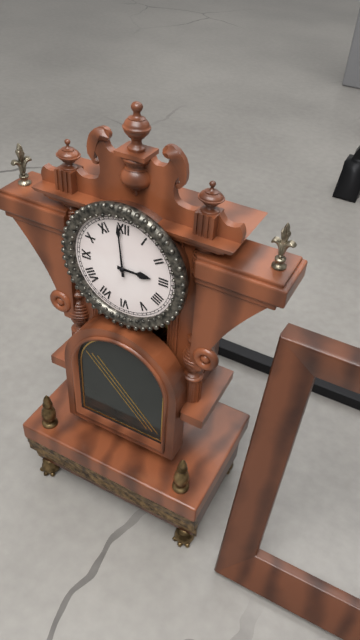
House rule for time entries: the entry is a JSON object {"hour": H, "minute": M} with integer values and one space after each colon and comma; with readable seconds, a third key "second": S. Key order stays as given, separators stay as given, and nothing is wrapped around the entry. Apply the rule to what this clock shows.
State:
{"hour": 2, "minute": 59}
